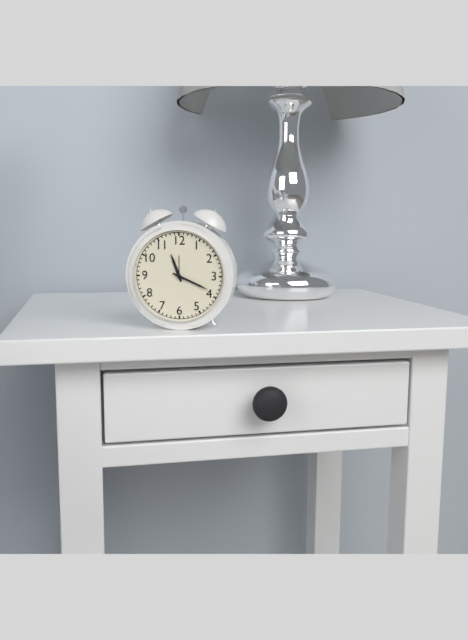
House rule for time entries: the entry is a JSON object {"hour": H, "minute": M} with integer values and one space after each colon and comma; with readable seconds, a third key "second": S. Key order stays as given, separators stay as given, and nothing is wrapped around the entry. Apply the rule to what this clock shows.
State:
{"hour": 11, "minute": 19}
